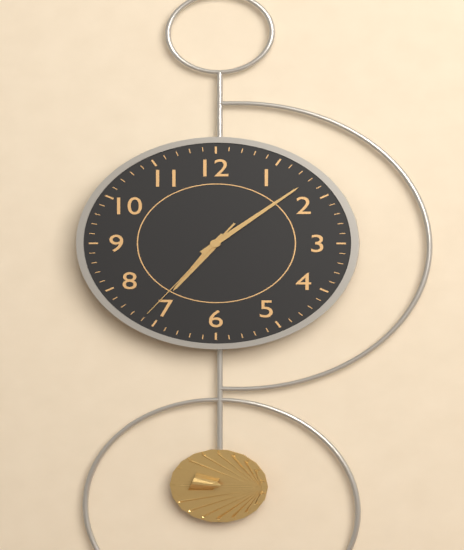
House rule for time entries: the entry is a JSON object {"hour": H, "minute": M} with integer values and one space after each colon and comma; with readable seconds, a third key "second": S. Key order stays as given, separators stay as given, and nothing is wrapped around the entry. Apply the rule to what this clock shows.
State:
{"hour": 7, "minute": 8, "second": 36}
